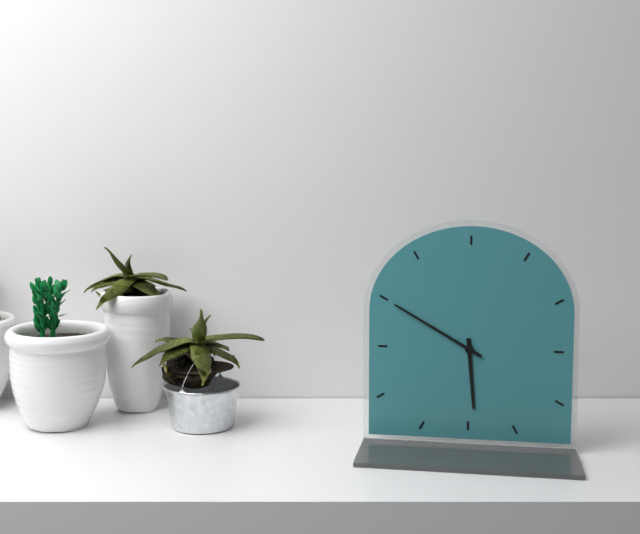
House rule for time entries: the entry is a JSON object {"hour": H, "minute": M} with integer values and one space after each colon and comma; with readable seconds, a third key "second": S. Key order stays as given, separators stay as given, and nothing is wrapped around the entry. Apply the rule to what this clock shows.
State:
{"hour": 5, "minute": 50}
